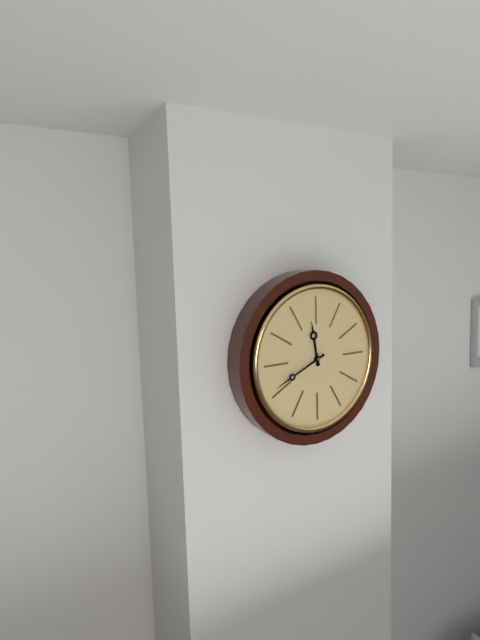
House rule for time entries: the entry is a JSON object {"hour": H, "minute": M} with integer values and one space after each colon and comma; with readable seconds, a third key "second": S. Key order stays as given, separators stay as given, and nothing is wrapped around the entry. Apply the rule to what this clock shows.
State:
{"hour": 11, "minute": 41}
